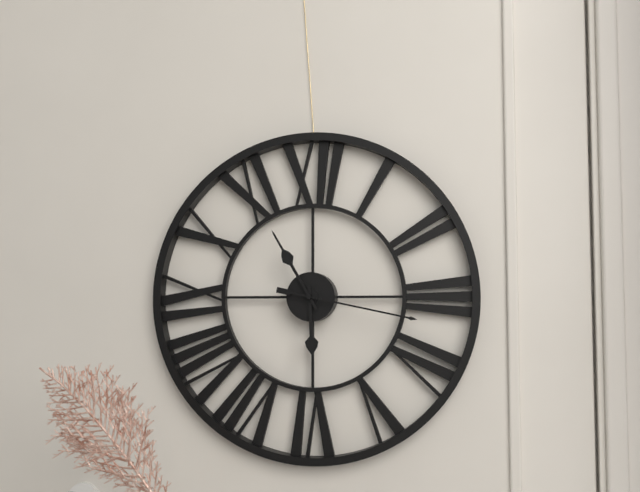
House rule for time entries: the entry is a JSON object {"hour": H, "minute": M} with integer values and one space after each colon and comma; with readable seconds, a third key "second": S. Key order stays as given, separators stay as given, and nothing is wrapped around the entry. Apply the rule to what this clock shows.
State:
{"hour": 5, "minute": 55, "second": 17}
